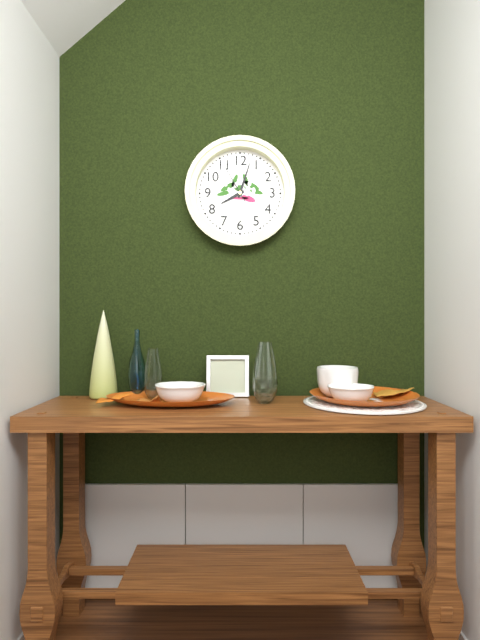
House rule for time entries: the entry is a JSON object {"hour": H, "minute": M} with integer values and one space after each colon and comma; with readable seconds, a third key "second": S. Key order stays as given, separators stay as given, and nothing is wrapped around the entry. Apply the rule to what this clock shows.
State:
{"hour": 8, "minute": 3}
